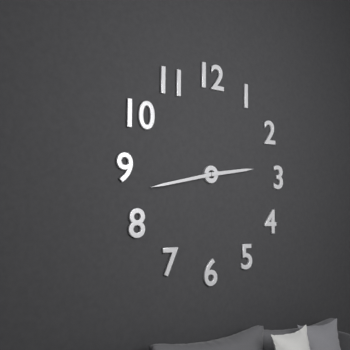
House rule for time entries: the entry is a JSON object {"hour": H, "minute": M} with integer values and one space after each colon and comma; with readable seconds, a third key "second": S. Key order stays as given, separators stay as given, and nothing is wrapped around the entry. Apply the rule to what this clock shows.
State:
{"hour": 2, "minute": 43}
